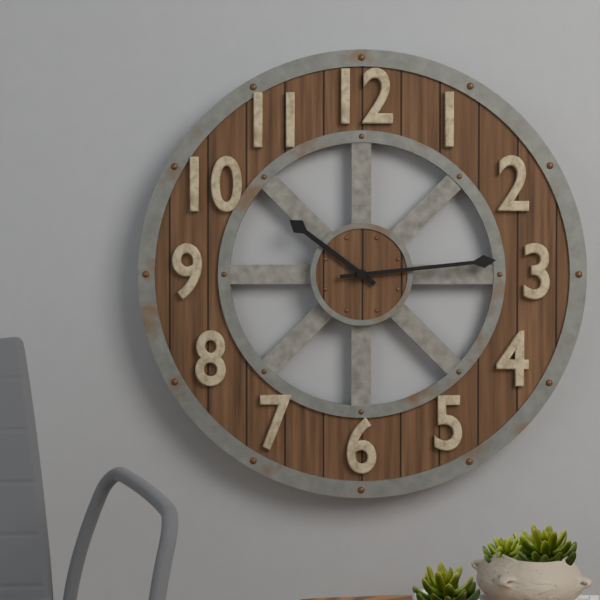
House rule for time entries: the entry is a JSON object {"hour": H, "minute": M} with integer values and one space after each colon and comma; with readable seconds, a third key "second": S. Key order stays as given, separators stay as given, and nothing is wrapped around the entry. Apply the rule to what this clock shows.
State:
{"hour": 10, "minute": 14}
